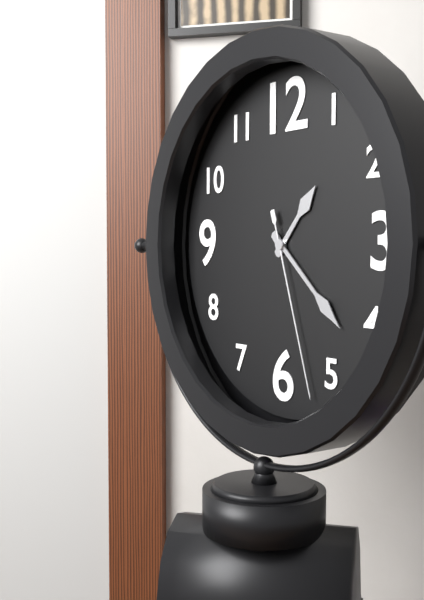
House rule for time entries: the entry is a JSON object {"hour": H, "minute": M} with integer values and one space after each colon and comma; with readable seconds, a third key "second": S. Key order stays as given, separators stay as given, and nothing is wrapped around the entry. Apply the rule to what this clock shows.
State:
{"hour": 1, "minute": 22, "second": 27}
